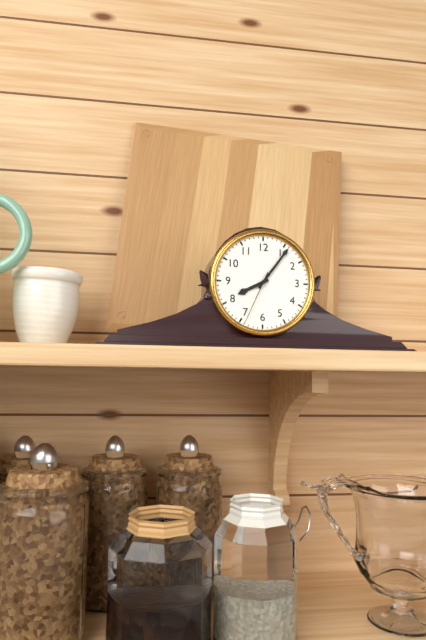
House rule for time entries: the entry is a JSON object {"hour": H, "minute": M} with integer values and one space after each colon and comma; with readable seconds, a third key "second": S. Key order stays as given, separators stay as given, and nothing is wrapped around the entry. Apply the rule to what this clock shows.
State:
{"hour": 8, "minute": 6, "second": 34}
